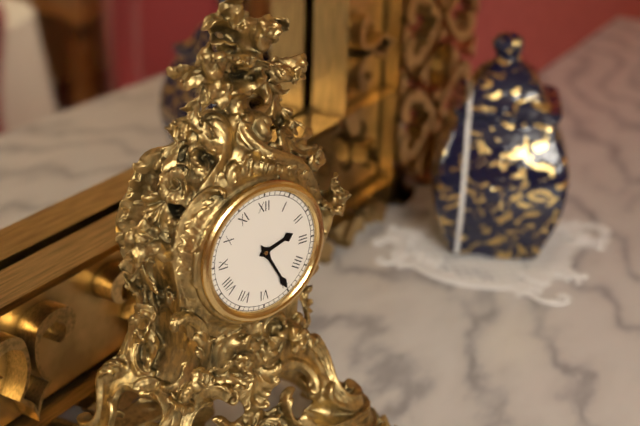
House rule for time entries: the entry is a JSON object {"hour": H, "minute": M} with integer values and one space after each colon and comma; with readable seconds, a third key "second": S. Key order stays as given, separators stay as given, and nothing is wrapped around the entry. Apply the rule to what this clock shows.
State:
{"hour": 2, "minute": 25}
